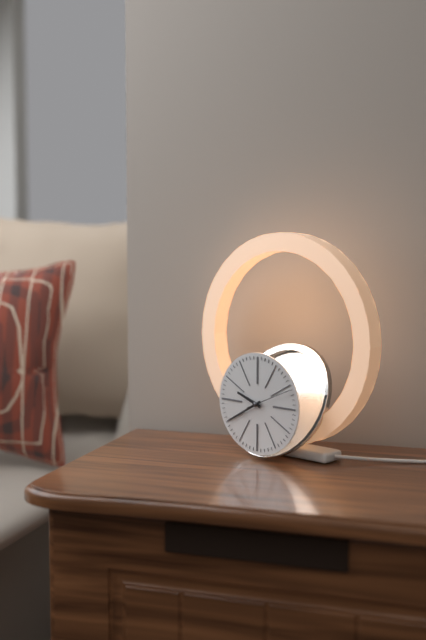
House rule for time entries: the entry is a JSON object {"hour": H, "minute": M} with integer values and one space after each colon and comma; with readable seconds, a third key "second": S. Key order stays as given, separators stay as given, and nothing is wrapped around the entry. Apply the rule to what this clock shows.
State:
{"hour": 9, "minute": 40}
